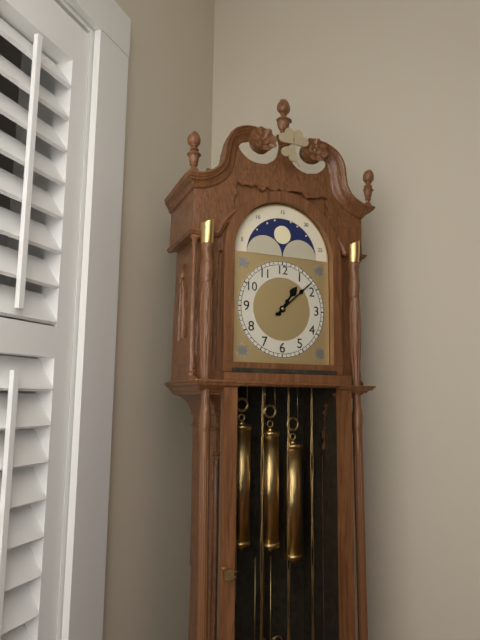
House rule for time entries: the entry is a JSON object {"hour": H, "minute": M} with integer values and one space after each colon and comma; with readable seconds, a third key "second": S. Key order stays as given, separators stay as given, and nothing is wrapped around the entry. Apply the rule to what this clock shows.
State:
{"hour": 1, "minute": 8}
